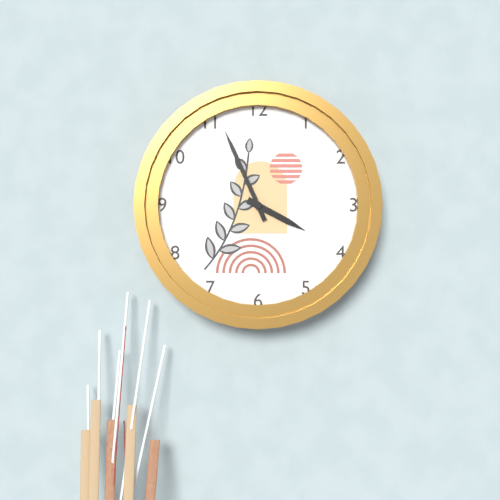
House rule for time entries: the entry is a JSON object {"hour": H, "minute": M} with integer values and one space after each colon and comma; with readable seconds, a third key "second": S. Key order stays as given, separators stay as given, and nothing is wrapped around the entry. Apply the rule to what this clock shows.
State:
{"hour": 3, "minute": 56}
